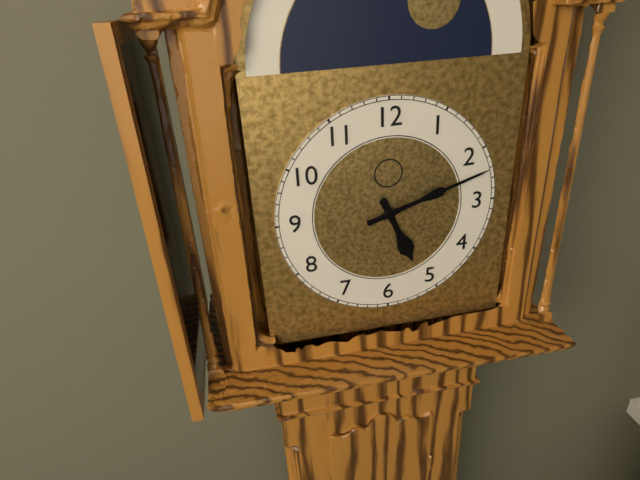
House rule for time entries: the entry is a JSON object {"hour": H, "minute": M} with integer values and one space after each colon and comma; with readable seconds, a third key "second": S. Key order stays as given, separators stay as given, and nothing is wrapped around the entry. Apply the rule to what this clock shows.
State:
{"hour": 5, "minute": 12}
